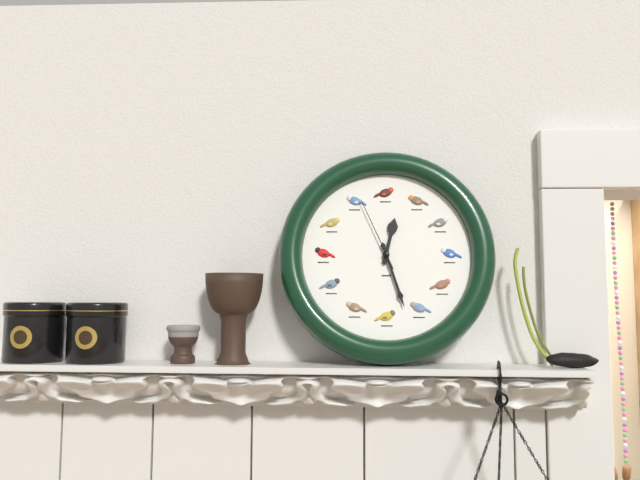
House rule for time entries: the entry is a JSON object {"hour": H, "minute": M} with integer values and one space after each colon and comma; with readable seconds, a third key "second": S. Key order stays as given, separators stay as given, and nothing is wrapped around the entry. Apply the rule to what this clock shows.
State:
{"hour": 12, "minute": 27, "second": 56}
